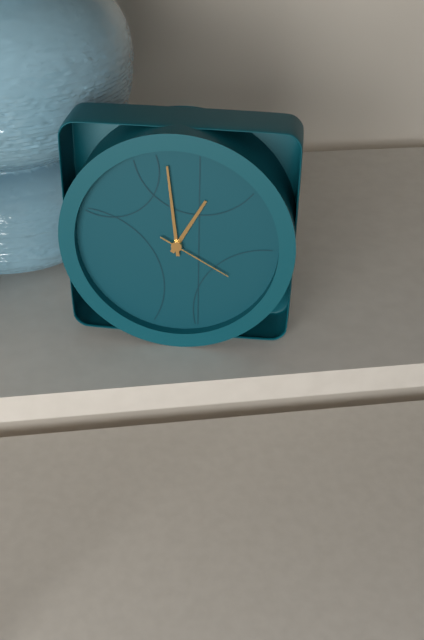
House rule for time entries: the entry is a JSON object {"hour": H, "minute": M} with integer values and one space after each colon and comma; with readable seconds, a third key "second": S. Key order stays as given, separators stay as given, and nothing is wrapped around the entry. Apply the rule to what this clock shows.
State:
{"hour": 12, "minute": 59, "second": 20}
